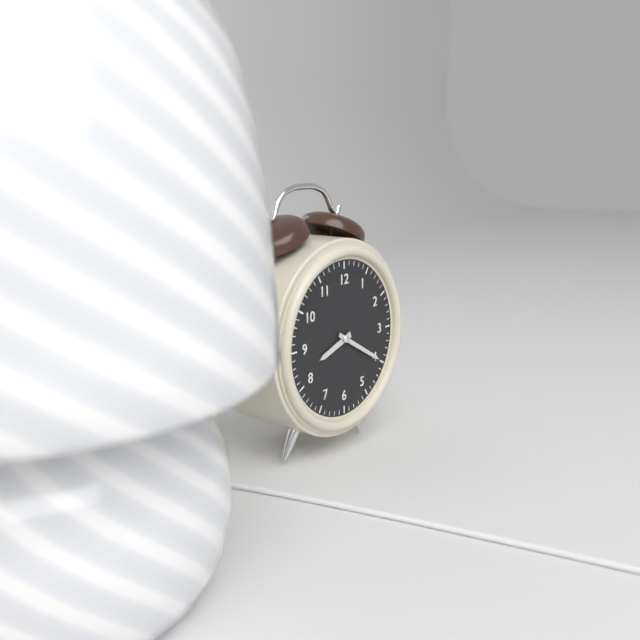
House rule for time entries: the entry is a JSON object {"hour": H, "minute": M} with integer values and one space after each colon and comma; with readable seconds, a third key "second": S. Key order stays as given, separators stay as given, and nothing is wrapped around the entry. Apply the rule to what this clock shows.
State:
{"hour": 8, "minute": 20}
